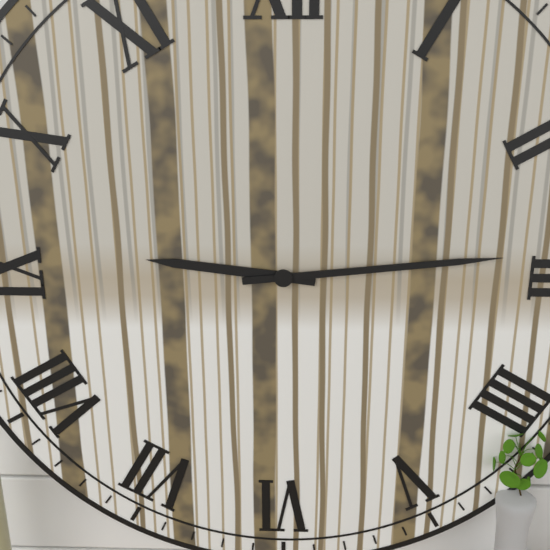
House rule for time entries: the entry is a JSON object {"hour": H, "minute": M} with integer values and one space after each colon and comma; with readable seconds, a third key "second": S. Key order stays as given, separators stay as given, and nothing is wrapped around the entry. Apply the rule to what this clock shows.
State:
{"hour": 9, "minute": 14}
